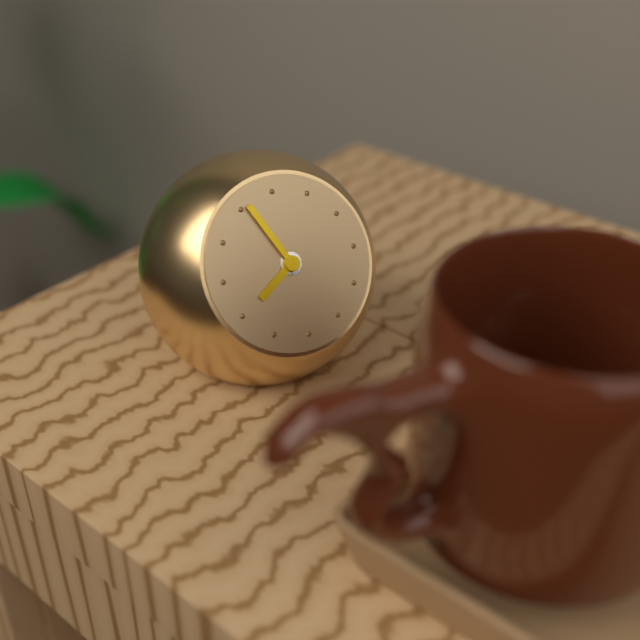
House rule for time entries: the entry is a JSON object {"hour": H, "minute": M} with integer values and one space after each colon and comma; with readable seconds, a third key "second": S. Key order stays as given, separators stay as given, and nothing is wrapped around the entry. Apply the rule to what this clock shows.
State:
{"hour": 7, "minute": 56}
